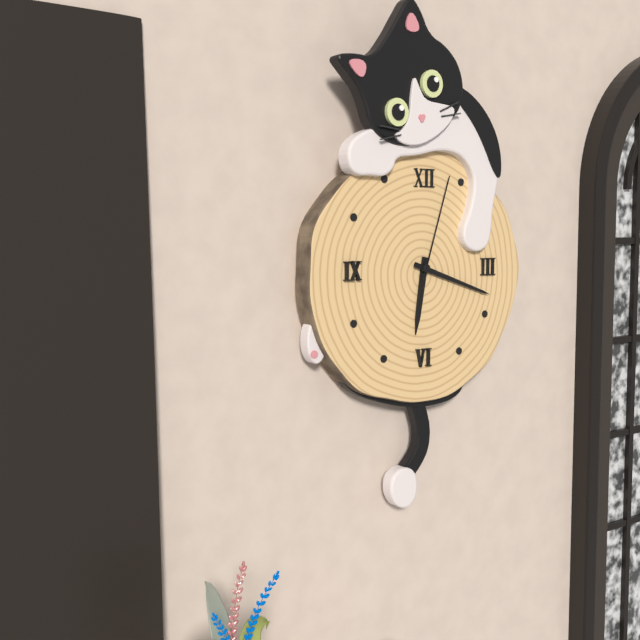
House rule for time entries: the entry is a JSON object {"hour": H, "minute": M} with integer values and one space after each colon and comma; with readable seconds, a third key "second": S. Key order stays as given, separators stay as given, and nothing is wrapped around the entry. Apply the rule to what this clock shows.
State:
{"hour": 6, "minute": 18, "second": 3}
